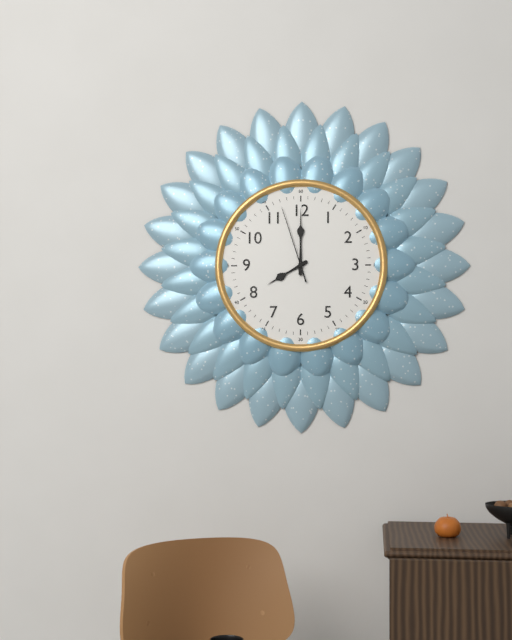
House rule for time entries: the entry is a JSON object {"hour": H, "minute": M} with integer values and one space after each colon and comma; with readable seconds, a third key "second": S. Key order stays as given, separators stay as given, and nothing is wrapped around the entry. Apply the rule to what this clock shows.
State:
{"hour": 8, "minute": 0, "second": 57}
